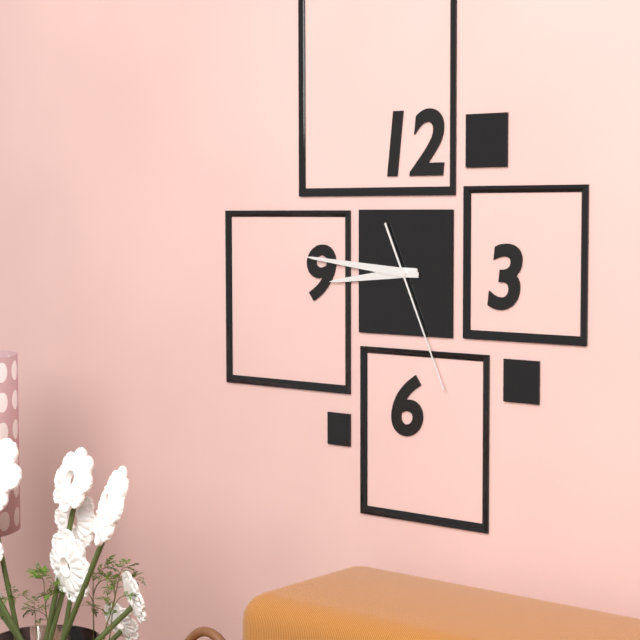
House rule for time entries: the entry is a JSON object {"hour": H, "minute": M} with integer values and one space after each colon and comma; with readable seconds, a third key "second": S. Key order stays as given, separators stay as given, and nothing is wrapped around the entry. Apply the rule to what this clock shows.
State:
{"hour": 8, "minute": 46, "second": 26}
